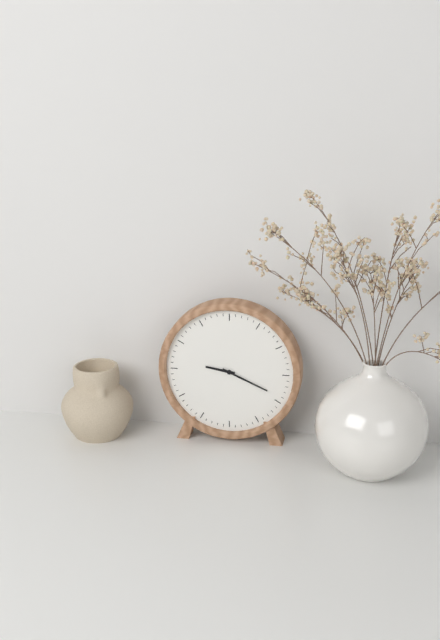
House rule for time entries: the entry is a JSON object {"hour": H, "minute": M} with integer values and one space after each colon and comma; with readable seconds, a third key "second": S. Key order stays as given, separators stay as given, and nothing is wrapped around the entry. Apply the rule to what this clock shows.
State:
{"hour": 9, "minute": 19}
